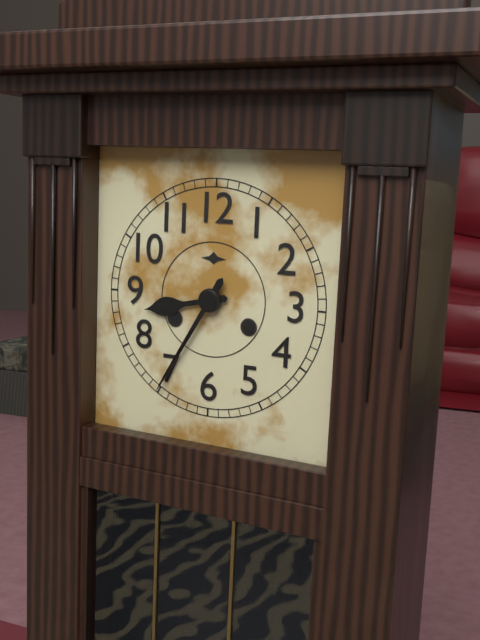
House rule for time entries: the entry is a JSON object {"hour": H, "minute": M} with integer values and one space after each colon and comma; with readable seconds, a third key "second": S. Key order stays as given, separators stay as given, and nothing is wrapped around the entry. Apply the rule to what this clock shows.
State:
{"hour": 8, "minute": 35}
